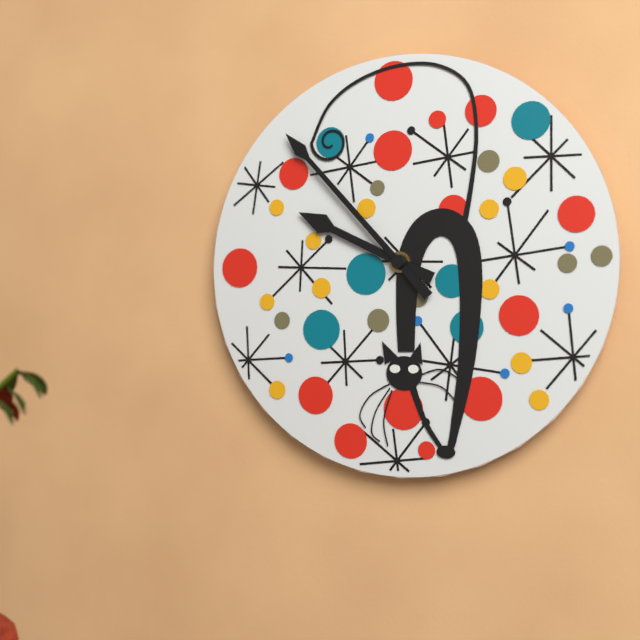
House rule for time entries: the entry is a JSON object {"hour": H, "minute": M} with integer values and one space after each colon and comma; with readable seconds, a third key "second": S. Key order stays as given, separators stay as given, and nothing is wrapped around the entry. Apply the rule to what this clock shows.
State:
{"hour": 9, "minute": 53}
